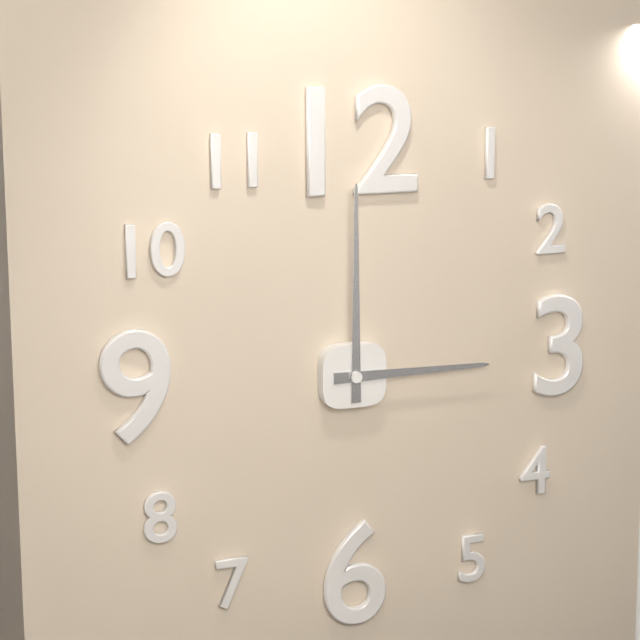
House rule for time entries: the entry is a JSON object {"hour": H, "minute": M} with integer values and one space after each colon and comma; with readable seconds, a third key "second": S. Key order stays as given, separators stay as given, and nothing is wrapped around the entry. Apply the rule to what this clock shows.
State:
{"hour": 3, "minute": 0}
